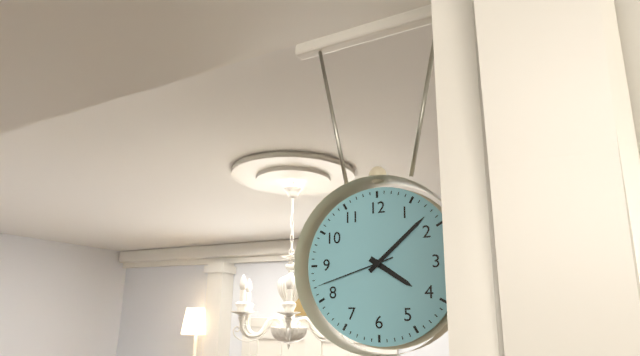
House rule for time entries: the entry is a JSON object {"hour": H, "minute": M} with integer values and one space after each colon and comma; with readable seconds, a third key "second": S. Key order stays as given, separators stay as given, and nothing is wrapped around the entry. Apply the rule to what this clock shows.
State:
{"hour": 4, "minute": 8, "second": 42}
